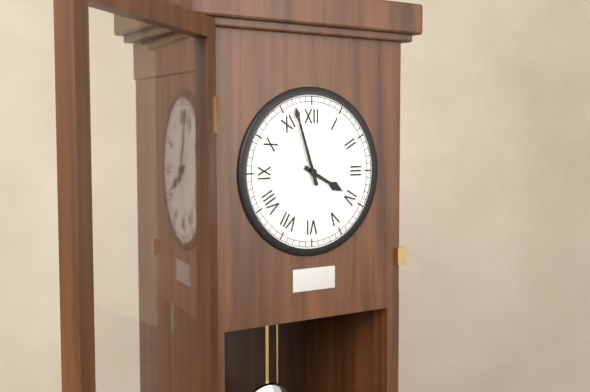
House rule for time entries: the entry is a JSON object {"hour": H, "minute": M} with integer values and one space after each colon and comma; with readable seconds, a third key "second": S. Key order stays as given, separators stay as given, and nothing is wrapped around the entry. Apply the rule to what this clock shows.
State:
{"hour": 3, "minute": 57}
